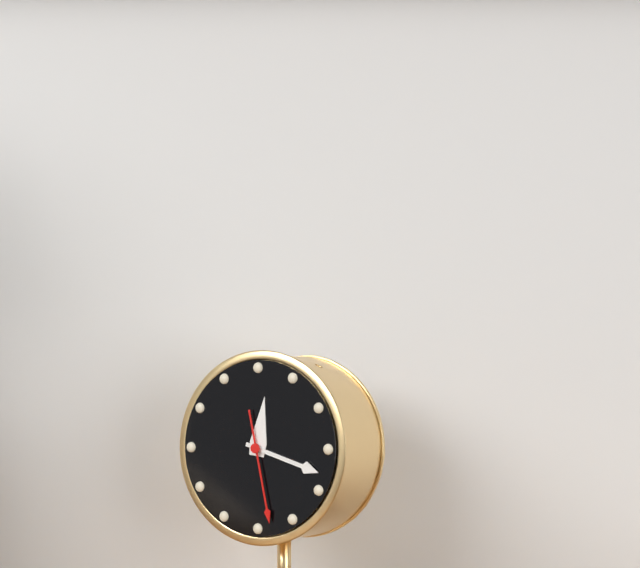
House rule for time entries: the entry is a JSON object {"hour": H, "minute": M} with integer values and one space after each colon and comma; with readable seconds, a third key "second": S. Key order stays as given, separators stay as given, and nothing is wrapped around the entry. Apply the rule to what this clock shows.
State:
{"hour": 12, "minute": 18, "second": 28}
